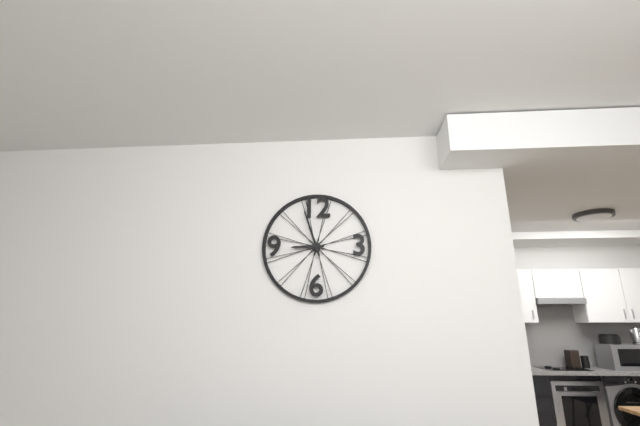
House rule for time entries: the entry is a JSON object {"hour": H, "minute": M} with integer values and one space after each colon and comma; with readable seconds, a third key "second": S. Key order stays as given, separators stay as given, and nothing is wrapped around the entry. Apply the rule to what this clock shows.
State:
{"hour": 8, "minute": 57}
